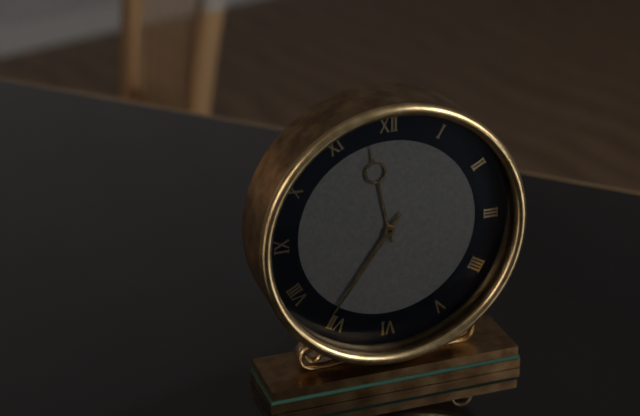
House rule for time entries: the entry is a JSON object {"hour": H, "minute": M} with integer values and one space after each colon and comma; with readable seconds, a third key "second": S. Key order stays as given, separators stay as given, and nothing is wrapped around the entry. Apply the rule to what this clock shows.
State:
{"hour": 11, "minute": 36}
